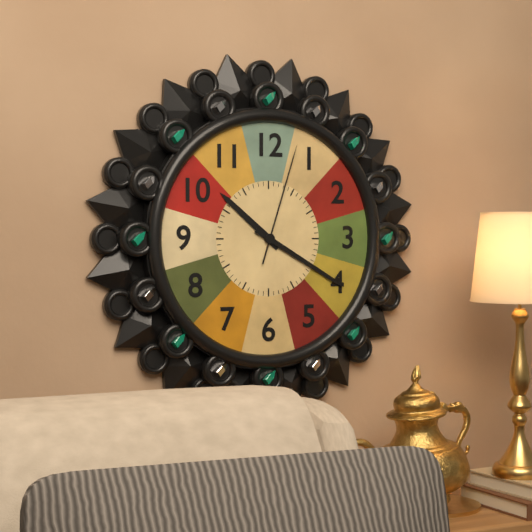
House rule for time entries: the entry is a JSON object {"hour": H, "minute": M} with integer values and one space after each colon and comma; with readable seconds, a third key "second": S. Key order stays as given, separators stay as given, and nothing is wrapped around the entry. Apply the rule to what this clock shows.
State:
{"hour": 10, "minute": 20, "second": 3}
